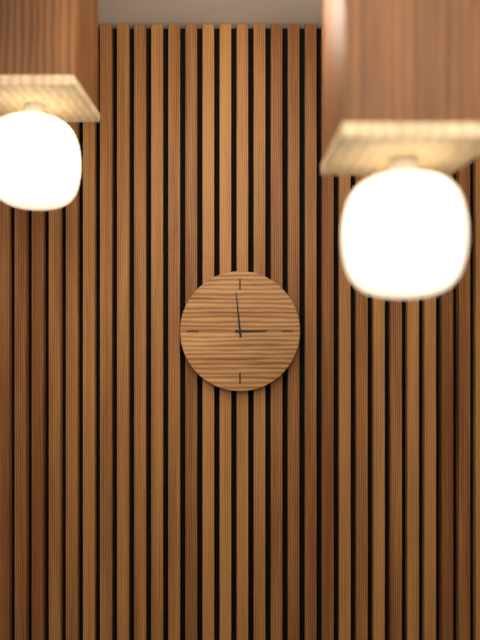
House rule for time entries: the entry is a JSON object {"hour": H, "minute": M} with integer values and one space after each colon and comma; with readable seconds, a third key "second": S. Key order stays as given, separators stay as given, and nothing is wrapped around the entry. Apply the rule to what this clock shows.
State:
{"hour": 2, "minute": 59}
